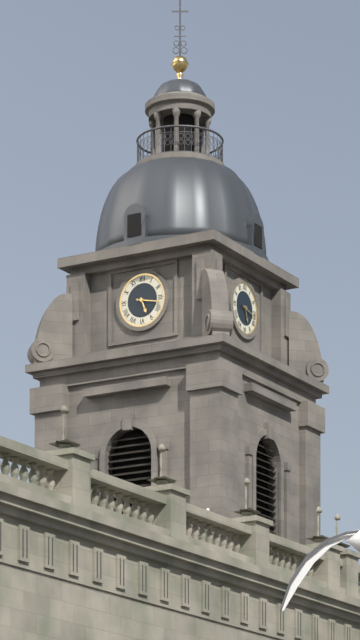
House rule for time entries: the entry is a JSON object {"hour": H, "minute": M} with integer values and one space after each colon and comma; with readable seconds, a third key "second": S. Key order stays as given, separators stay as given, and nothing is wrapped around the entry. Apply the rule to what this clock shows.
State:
{"hour": 5, "minute": 17}
